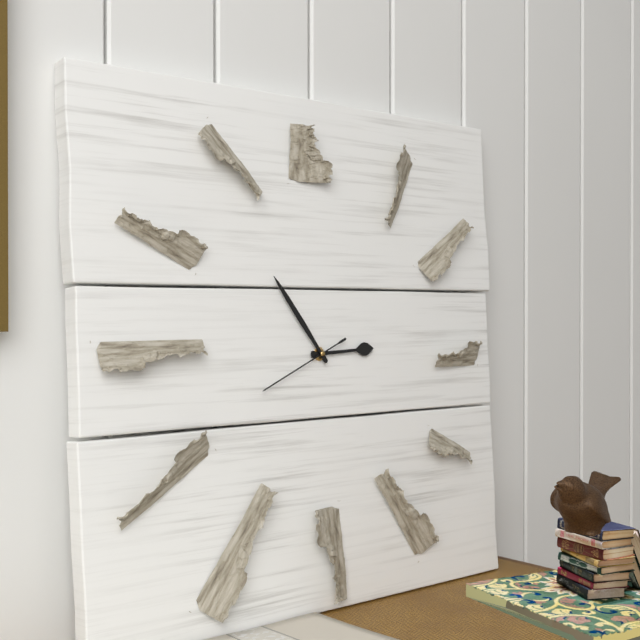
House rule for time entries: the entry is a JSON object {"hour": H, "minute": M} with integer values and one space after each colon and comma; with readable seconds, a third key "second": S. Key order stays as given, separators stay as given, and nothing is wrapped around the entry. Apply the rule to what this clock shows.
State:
{"hour": 2, "minute": 54, "second": 41}
